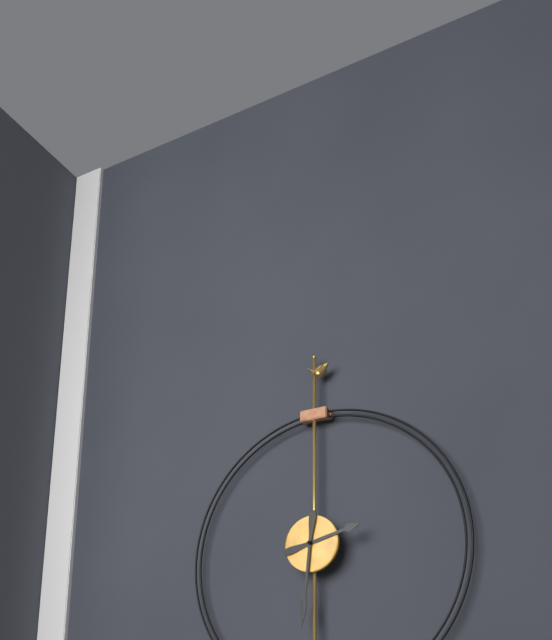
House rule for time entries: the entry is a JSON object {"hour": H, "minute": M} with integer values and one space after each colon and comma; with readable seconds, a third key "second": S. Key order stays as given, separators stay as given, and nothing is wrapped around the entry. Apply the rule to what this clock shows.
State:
{"hour": 2, "minute": 31}
